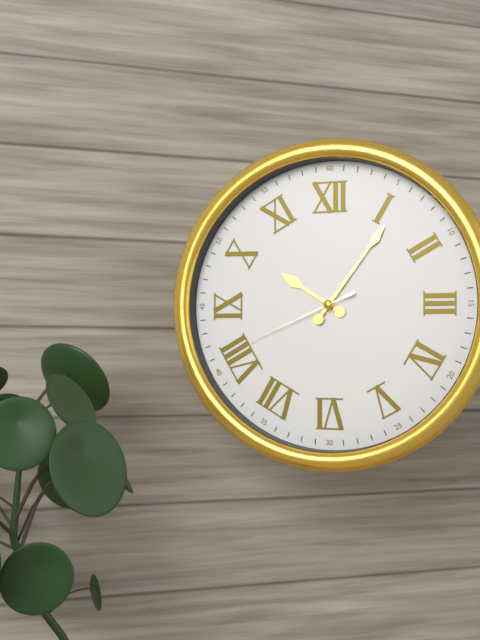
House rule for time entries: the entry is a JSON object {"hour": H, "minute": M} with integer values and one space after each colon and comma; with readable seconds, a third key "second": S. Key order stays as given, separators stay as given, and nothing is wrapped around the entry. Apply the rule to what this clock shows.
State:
{"hour": 10, "minute": 6, "second": 41}
